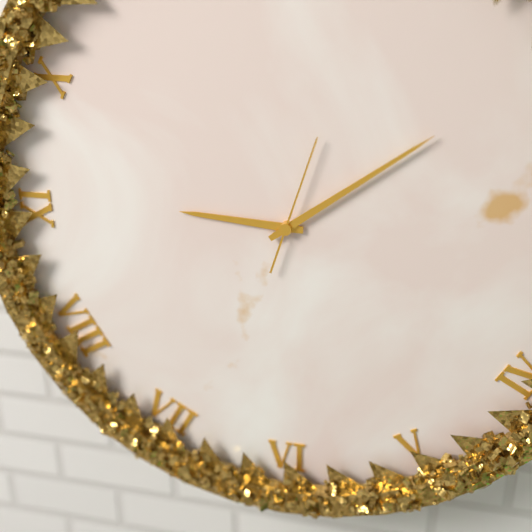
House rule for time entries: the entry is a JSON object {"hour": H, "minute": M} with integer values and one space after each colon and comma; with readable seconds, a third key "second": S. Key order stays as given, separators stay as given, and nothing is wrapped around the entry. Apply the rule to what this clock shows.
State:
{"hour": 9, "minute": 9, "second": 3}
